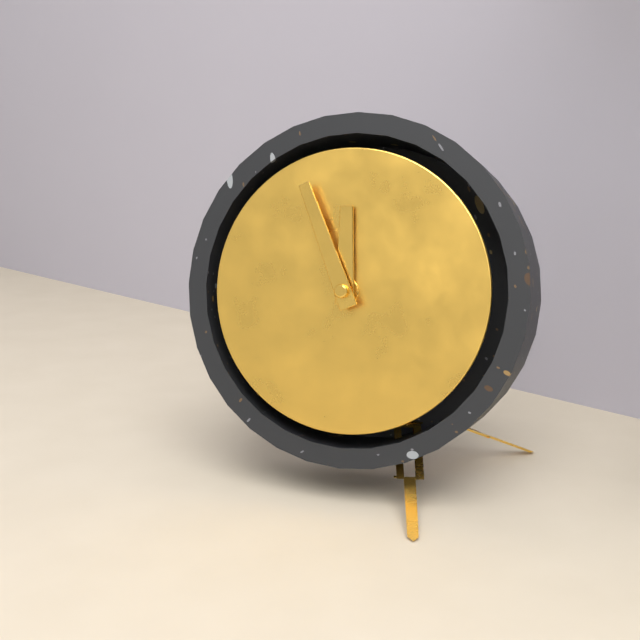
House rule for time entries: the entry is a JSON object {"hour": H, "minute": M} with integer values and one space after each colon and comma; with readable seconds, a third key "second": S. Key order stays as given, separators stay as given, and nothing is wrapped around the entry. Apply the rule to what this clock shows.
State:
{"hour": 11, "minute": 56}
